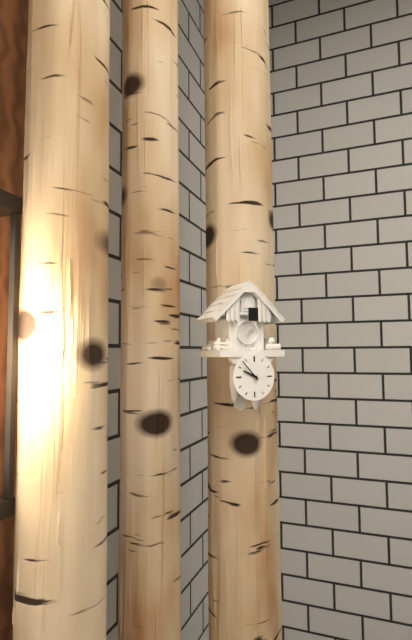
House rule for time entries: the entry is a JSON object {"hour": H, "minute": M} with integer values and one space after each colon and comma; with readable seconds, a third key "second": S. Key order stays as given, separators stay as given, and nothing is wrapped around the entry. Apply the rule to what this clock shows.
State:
{"hour": 9, "minute": 53}
